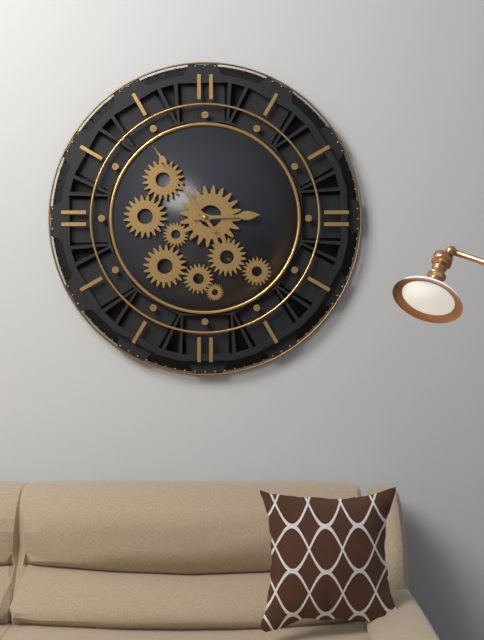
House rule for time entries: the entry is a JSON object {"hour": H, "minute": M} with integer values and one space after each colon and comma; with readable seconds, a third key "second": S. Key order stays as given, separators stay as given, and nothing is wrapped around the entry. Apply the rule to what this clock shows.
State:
{"hour": 2, "minute": 54}
